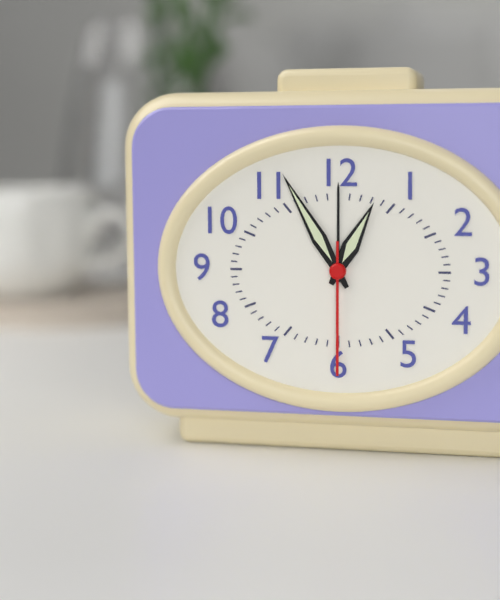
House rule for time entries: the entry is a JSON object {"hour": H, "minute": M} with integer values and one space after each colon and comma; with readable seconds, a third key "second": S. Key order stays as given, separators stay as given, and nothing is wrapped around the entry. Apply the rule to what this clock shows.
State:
{"hour": 12, "minute": 55, "second": 30}
